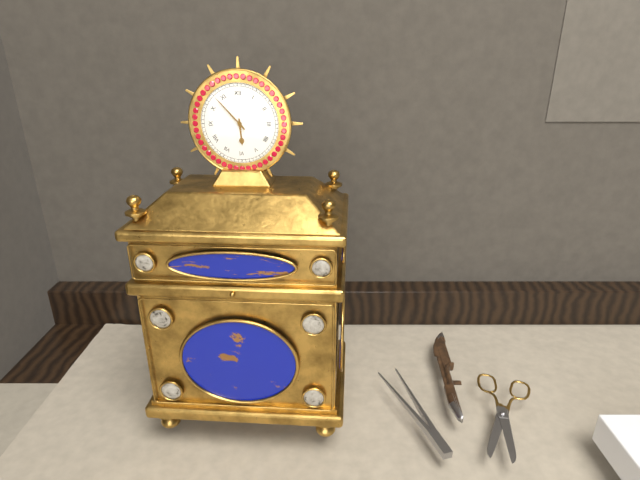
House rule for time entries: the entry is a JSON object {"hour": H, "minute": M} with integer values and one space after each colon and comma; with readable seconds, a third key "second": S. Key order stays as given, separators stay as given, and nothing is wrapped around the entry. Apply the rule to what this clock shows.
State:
{"hour": 5, "minute": 53}
